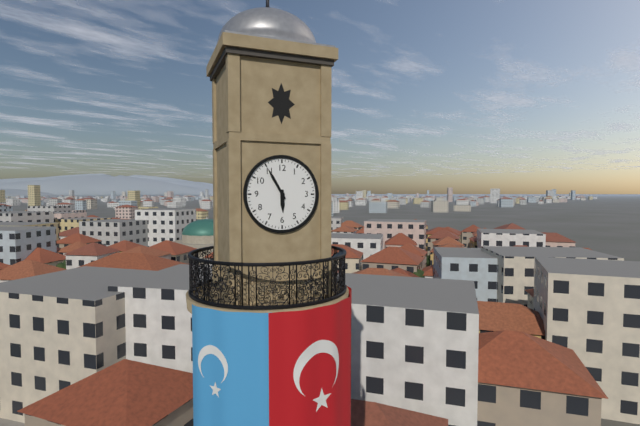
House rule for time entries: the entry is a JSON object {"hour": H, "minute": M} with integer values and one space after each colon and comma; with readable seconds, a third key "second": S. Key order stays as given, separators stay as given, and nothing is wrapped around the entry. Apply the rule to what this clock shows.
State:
{"hour": 5, "minute": 55}
